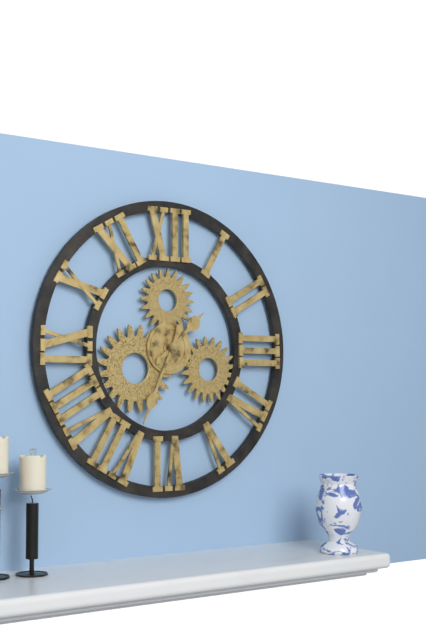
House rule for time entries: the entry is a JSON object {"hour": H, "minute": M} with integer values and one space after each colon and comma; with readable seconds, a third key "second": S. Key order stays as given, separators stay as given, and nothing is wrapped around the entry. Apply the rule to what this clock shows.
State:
{"hour": 1, "minute": 34}
